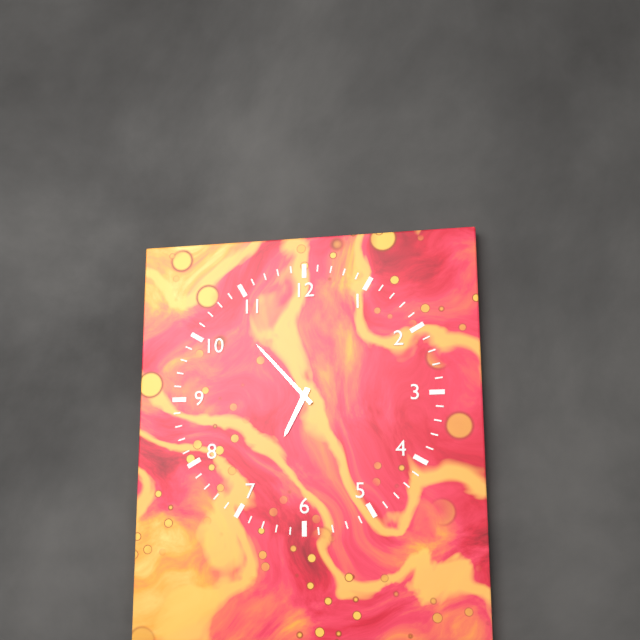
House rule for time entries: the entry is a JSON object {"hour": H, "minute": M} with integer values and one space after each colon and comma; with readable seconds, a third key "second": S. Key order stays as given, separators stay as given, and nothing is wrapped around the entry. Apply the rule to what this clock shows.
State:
{"hour": 6, "minute": 53}
